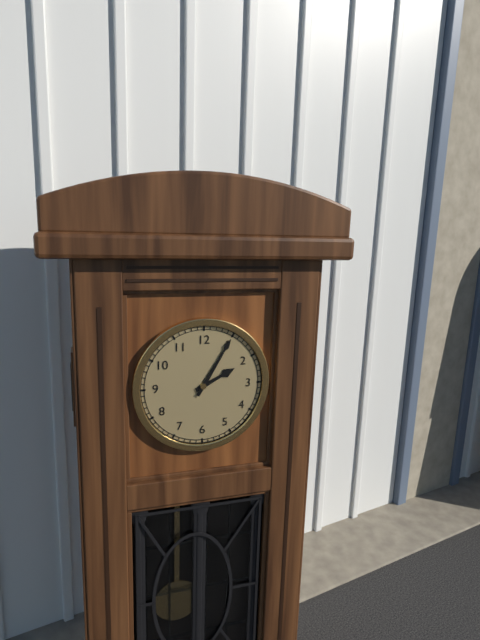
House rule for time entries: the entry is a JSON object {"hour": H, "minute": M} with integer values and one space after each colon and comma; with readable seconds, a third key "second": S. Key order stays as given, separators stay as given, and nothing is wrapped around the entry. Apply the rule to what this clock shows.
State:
{"hour": 2, "minute": 5}
